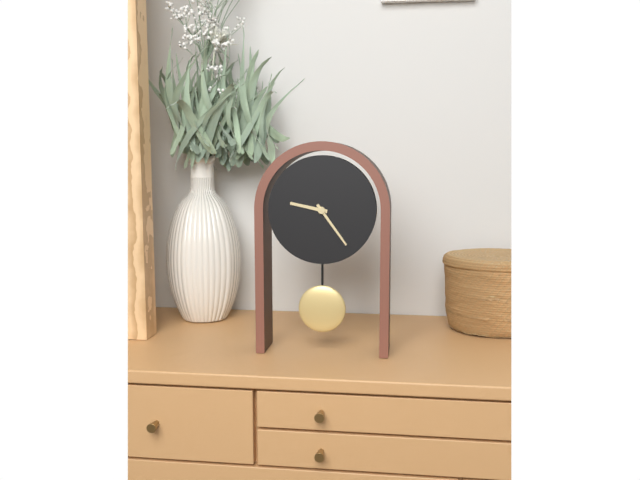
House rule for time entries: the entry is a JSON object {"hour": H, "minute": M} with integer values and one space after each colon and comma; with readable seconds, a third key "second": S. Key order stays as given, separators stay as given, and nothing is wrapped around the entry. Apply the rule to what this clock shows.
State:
{"hour": 9, "minute": 24}
